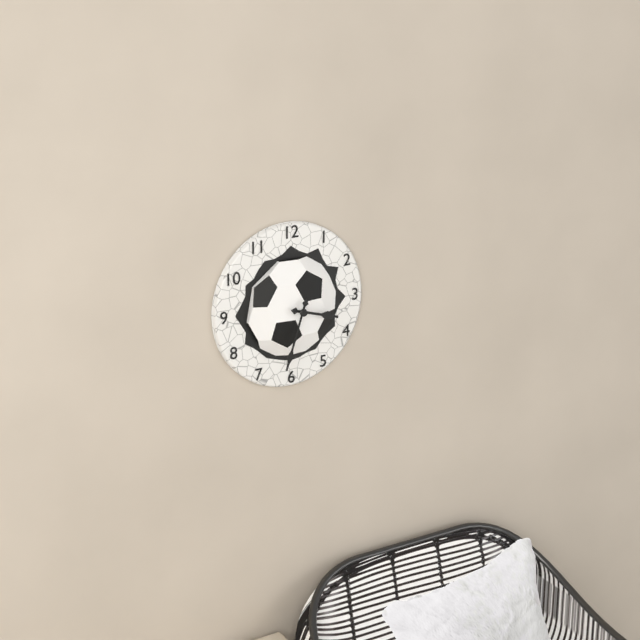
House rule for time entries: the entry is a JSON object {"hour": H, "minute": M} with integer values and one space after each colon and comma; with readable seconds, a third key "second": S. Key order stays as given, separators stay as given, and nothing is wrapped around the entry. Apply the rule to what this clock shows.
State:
{"hour": 3, "minute": 33}
